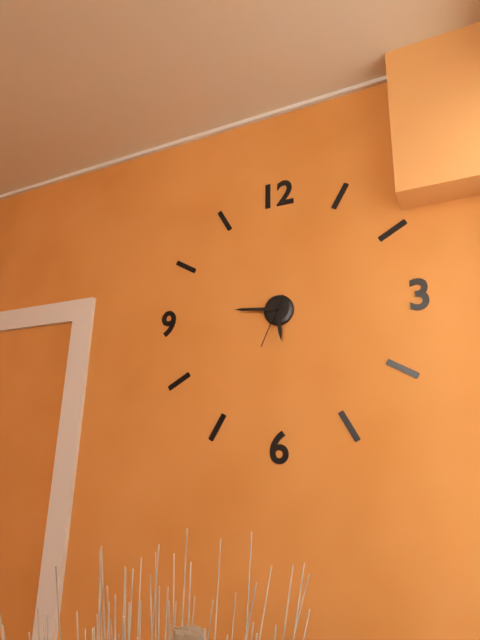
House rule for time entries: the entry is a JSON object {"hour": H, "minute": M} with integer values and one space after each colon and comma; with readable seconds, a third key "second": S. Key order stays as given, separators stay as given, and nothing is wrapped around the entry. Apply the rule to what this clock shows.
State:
{"hour": 5, "minute": 46, "second": 34}
